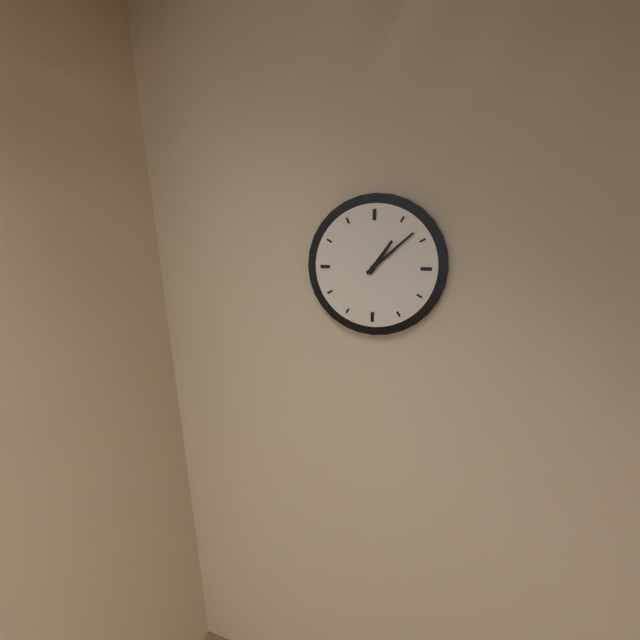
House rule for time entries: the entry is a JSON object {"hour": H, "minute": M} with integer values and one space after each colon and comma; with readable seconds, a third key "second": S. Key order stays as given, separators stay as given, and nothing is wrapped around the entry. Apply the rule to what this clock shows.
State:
{"hour": 1, "minute": 8}
